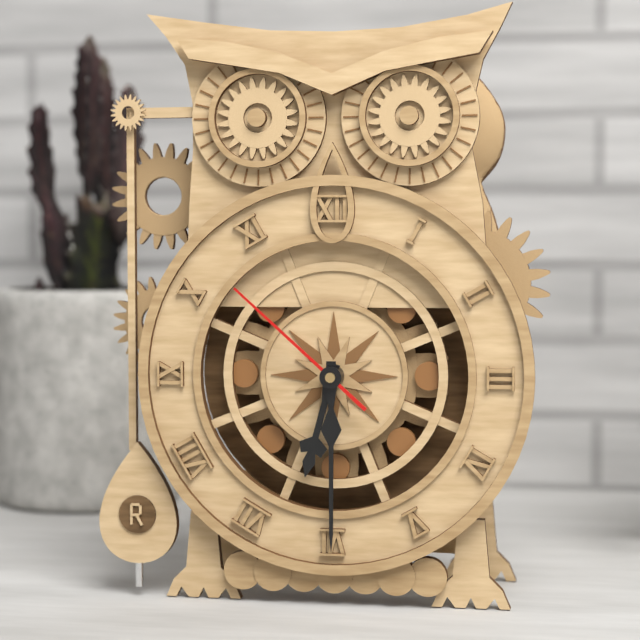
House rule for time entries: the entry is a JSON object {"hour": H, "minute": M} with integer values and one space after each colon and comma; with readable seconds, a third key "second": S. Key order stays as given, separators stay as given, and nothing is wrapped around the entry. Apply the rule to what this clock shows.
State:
{"hour": 6, "minute": 30, "second": 52}
